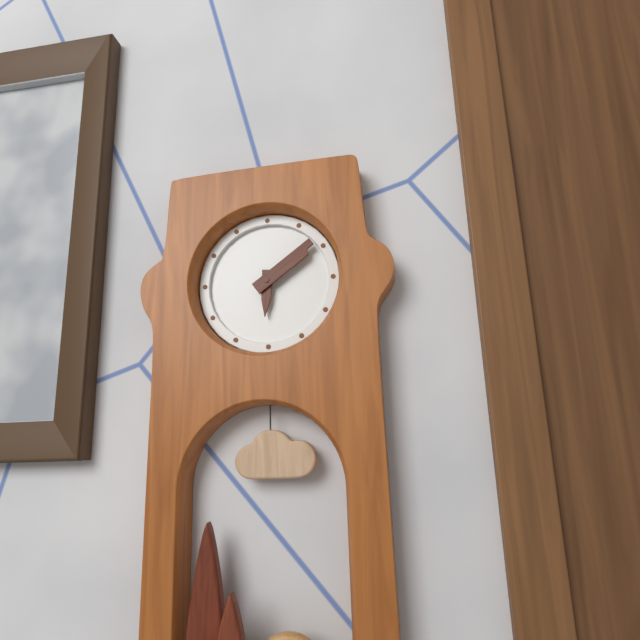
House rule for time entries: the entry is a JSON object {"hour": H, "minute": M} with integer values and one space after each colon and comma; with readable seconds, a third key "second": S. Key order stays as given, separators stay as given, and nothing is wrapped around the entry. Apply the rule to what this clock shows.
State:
{"hour": 6, "minute": 9}
